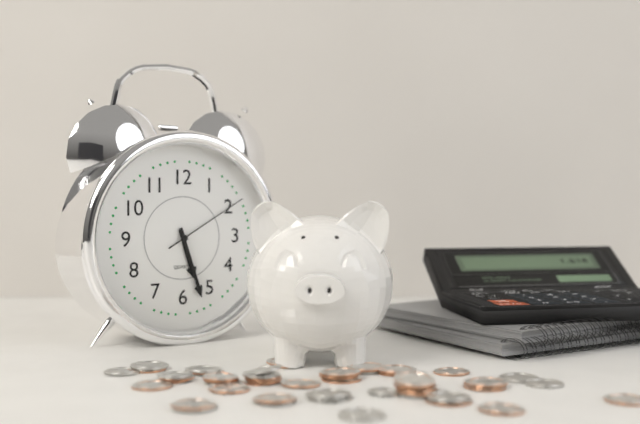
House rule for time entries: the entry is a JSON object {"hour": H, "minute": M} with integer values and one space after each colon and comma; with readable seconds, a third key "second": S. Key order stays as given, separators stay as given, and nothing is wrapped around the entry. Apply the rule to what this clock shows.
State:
{"hour": 5, "minute": 27, "second": 10}
